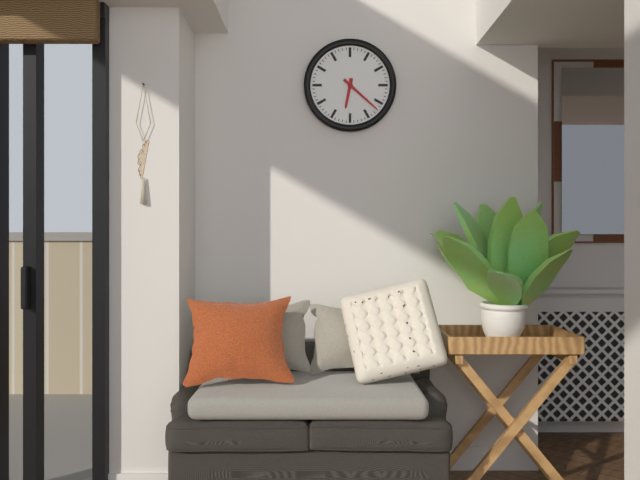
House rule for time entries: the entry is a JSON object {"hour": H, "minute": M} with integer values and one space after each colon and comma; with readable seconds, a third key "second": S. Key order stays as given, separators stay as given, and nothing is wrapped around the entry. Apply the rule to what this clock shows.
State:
{"hour": 6, "minute": 22}
